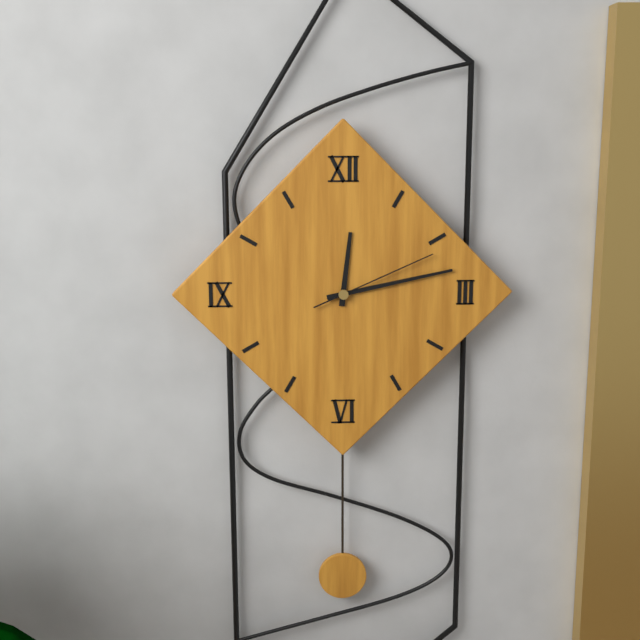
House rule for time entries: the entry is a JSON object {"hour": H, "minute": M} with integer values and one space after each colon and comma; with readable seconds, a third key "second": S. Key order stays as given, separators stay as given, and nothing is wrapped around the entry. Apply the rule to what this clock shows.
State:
{"hour": 12, "minute": 13, "second": 11}
